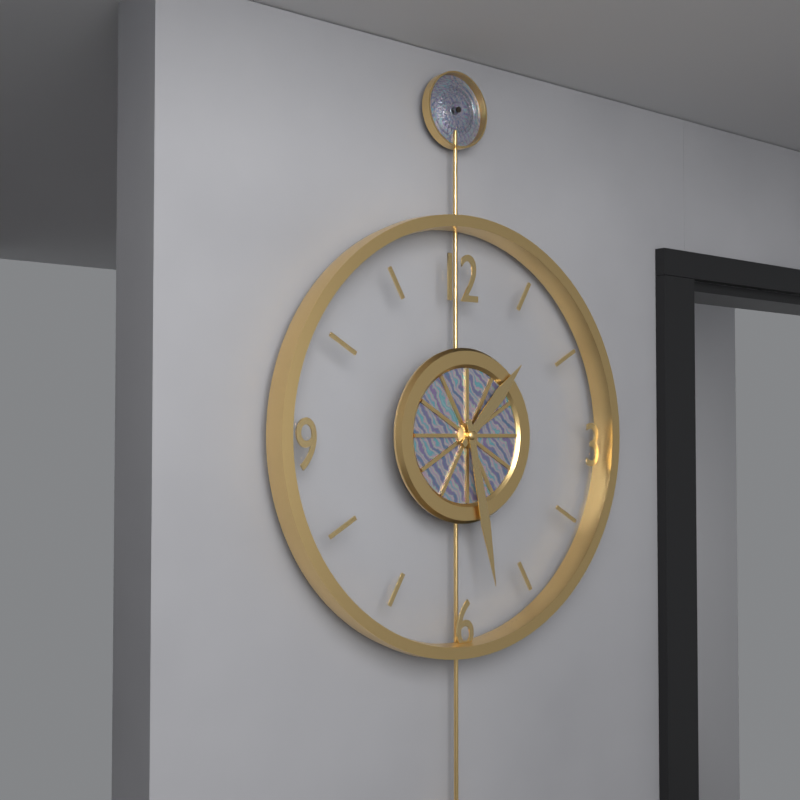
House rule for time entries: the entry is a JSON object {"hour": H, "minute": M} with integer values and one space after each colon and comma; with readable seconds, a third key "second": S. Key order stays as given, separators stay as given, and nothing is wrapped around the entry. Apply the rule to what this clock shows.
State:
{"hour": 1, "minute": 28}
